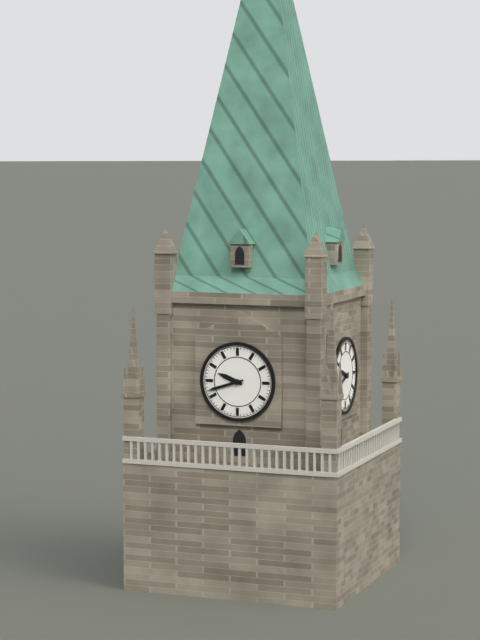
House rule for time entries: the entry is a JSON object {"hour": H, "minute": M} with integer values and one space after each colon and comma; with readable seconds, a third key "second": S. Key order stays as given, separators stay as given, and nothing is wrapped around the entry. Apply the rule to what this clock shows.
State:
{"hour": 9, "minute": 42}
